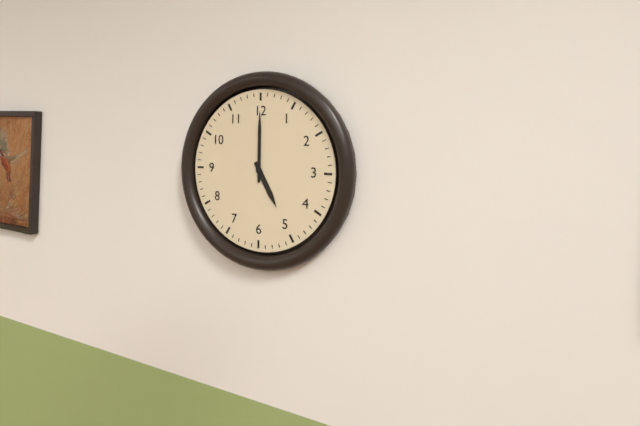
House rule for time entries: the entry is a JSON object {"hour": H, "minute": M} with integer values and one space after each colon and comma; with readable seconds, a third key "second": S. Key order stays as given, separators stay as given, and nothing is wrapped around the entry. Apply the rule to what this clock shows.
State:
{"hour": 5, "minute": 0}
